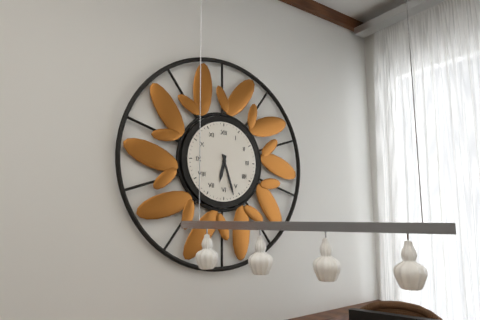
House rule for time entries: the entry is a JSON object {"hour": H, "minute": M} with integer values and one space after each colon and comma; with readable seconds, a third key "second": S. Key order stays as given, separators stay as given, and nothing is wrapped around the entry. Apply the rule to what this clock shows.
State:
{"hour": 6, "minute": 27}
